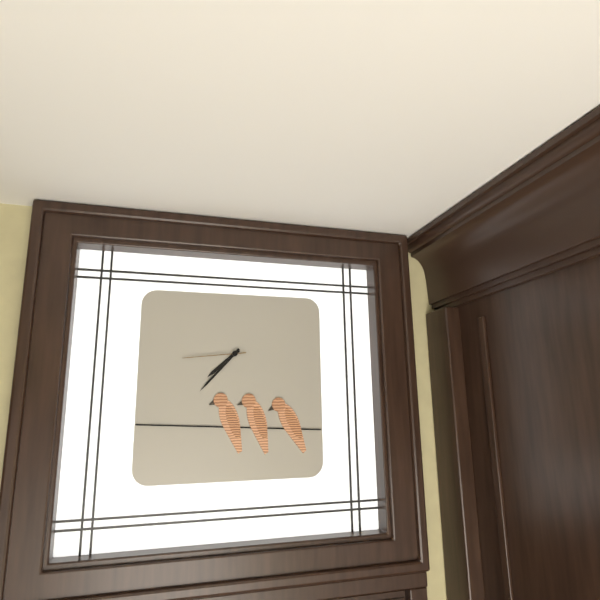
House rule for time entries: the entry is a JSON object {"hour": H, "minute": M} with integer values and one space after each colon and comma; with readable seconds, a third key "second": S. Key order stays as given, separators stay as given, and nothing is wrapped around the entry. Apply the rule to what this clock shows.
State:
{"hour": 7, "minute": 37, "second": 44}
